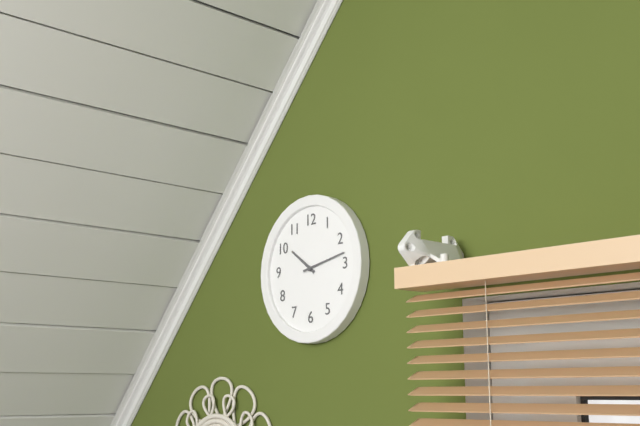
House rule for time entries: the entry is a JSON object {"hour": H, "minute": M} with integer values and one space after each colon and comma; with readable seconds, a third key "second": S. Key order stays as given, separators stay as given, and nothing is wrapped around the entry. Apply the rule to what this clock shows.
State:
{"hour": 10, "minute": 13}
